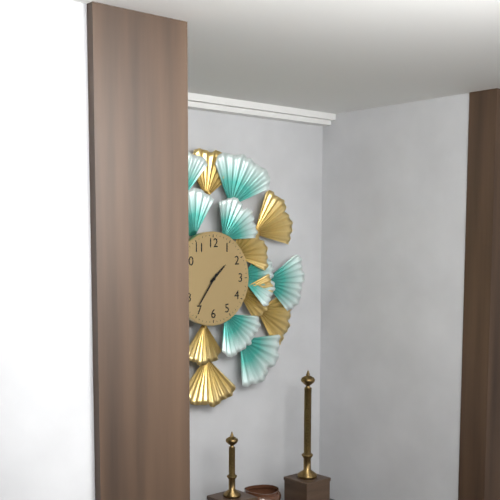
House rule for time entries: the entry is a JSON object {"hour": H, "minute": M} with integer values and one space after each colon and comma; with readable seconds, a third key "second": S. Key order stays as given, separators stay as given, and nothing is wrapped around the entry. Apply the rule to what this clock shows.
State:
{"hour": 1, "minute": 36}
